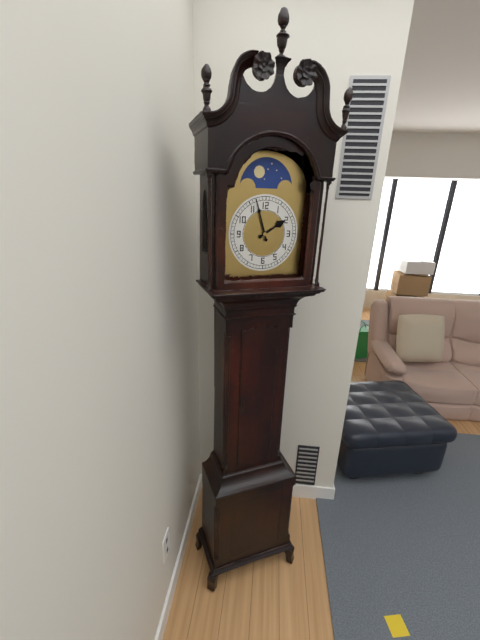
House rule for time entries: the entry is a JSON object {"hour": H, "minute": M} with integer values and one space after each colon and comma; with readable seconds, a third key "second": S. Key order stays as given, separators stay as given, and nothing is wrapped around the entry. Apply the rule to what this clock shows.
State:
{"hour": 1, "minute": 57}
